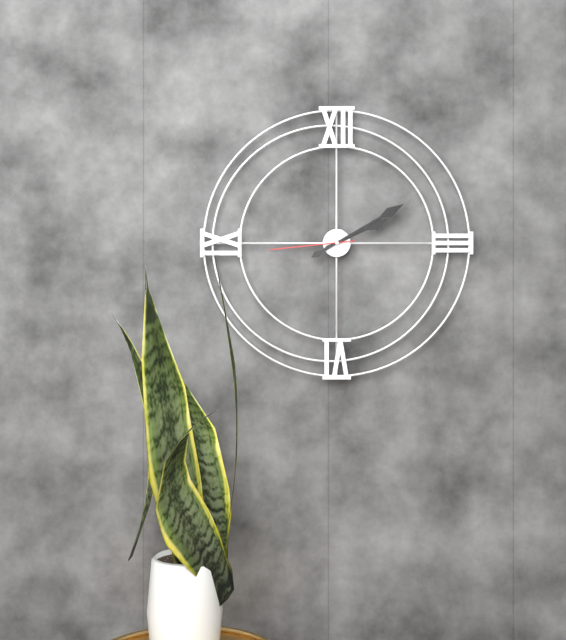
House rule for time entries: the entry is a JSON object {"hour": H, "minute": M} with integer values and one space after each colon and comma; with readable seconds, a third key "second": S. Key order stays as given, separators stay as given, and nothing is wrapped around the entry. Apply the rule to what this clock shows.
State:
{"hour": 2, "minute": 10, "second": 44}
